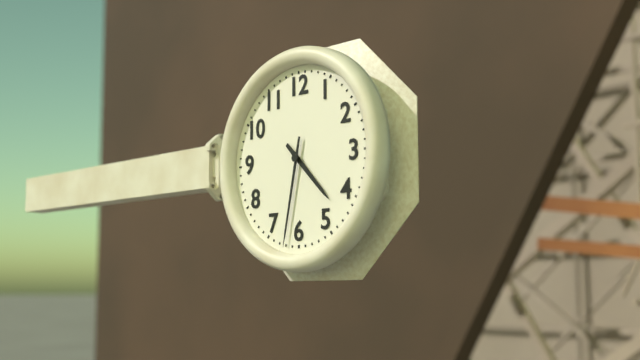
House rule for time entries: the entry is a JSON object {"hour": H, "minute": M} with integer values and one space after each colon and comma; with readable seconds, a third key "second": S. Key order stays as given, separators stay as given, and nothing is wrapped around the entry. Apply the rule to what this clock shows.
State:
{"hour": 4, "minute": 32}
